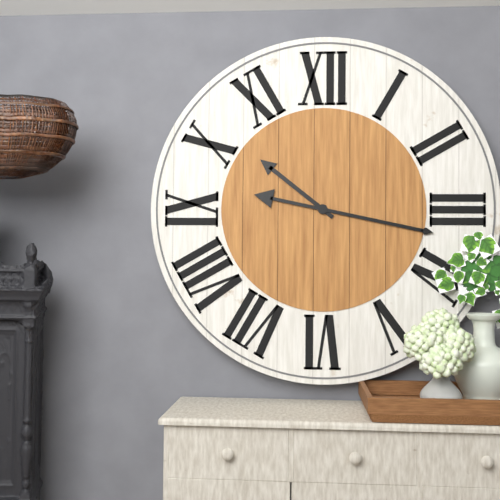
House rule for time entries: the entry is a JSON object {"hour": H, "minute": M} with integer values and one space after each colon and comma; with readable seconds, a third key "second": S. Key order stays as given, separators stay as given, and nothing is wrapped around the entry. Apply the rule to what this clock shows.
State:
{"hour": 10, "minute": 17}
